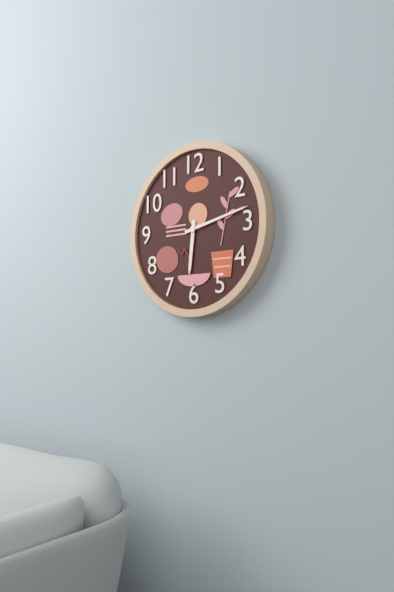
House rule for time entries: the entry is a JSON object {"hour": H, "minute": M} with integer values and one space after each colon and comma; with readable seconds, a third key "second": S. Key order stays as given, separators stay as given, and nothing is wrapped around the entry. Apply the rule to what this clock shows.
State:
{"hour": 6, "minute": 13}
